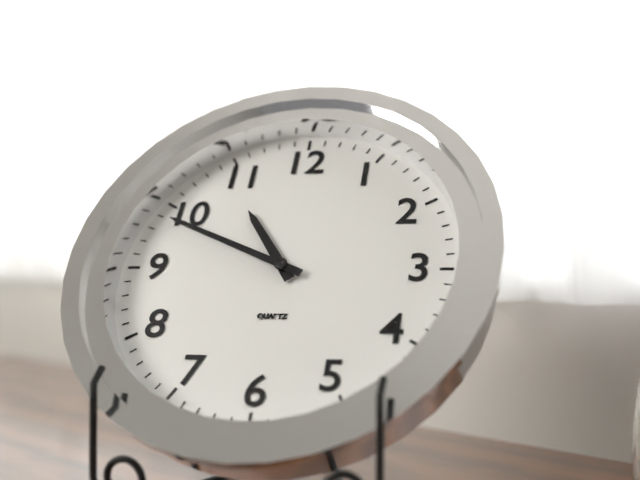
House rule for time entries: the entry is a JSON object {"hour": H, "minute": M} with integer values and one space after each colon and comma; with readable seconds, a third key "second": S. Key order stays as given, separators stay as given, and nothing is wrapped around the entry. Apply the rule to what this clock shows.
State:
{"hour": 10, "minute": 49}
